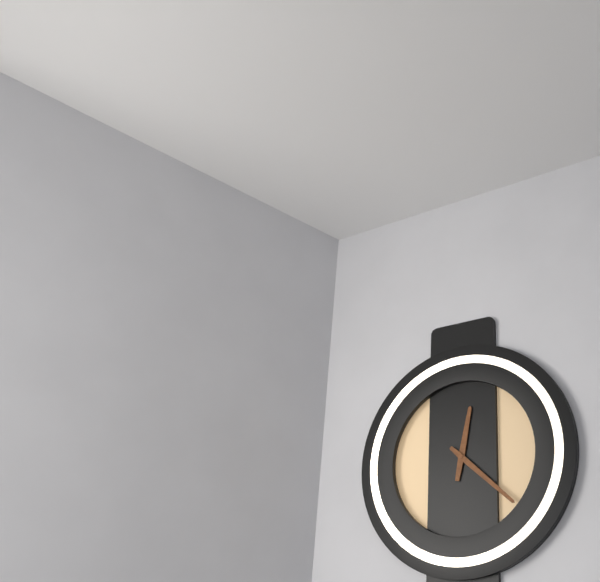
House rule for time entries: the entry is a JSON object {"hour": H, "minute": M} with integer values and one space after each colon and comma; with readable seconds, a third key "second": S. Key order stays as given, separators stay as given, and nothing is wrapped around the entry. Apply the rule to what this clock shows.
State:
{"hour": 12, "minute": 22}
